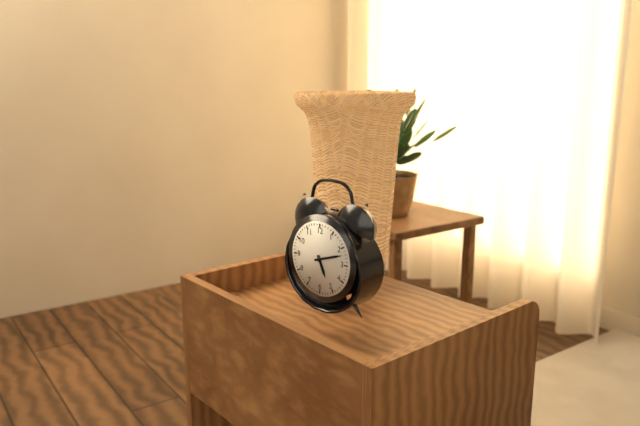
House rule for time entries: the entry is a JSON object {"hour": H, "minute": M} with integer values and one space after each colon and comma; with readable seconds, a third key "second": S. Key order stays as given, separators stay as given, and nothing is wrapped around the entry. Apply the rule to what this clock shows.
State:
{"hour": 5, "minute": 12}
